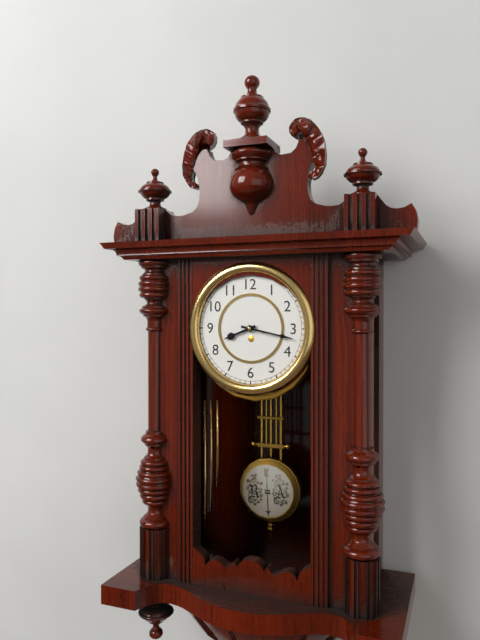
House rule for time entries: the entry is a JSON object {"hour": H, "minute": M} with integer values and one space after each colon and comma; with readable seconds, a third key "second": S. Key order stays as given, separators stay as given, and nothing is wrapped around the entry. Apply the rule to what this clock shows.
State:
{"hour": 8, "minute": 17}
